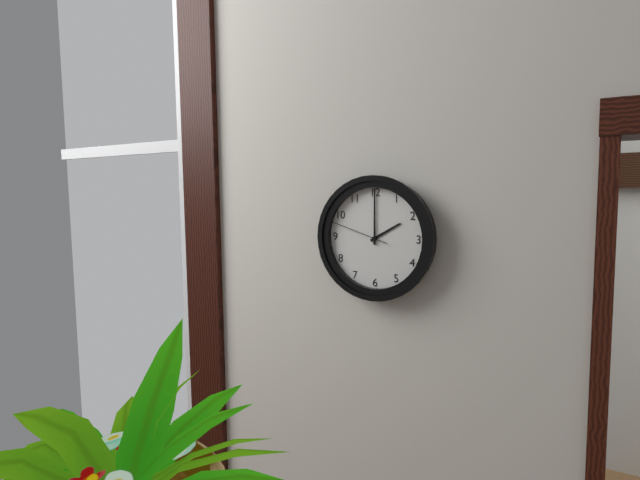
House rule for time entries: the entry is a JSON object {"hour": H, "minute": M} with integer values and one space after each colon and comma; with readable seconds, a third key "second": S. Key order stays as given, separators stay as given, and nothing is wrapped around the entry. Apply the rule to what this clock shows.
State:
{"hour": 2, "minute": 0, "second": 48}
